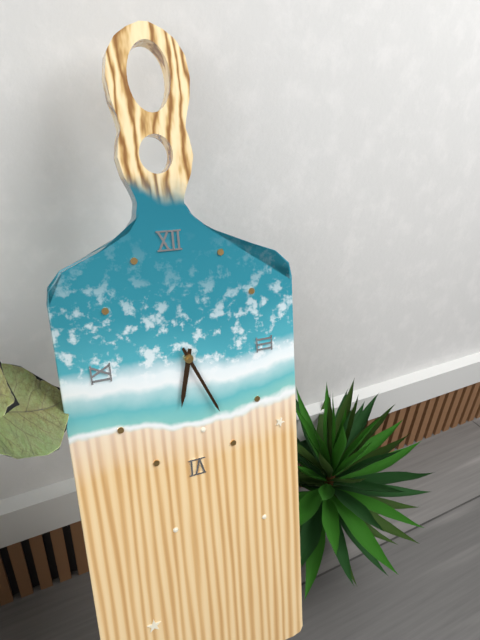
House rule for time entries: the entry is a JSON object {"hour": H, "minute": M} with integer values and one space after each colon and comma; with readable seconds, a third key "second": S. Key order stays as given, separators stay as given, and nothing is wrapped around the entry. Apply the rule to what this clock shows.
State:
{"hour": 6, "minute": 26}
